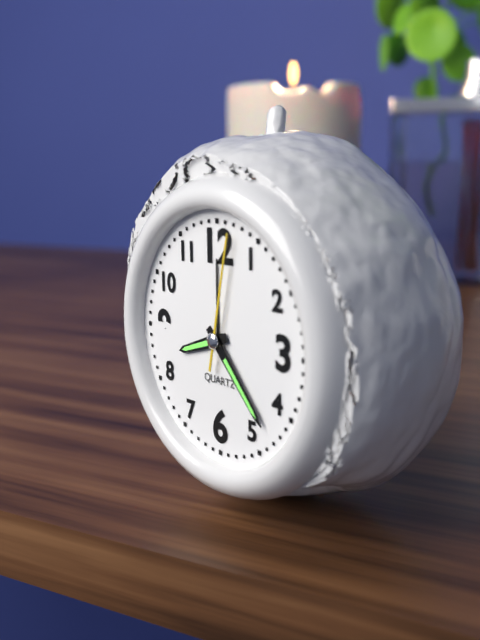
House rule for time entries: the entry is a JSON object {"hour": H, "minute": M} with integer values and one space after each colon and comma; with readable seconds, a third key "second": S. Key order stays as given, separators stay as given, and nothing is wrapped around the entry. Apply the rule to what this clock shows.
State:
{"hour": 8, "minute": 23, "second": 2}
